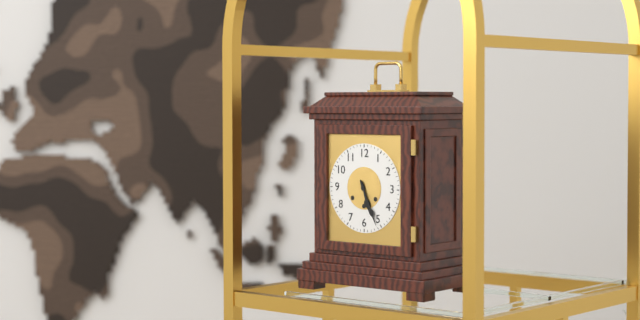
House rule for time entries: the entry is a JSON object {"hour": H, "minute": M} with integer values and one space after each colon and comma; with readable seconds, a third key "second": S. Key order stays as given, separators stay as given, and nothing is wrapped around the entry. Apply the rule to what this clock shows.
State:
{"hour": 5, "minute": 26}
